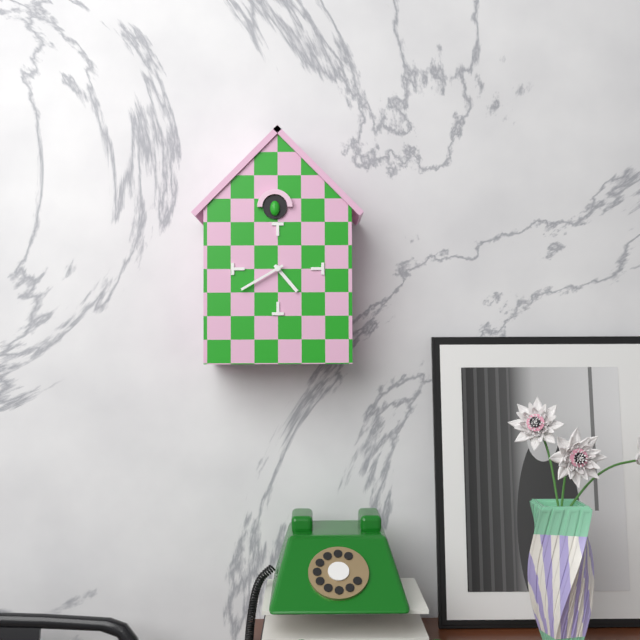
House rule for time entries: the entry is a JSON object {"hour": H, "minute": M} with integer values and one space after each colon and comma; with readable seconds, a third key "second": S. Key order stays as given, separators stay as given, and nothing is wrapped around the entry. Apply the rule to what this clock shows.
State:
{"hour": 4, "minute": 40}
